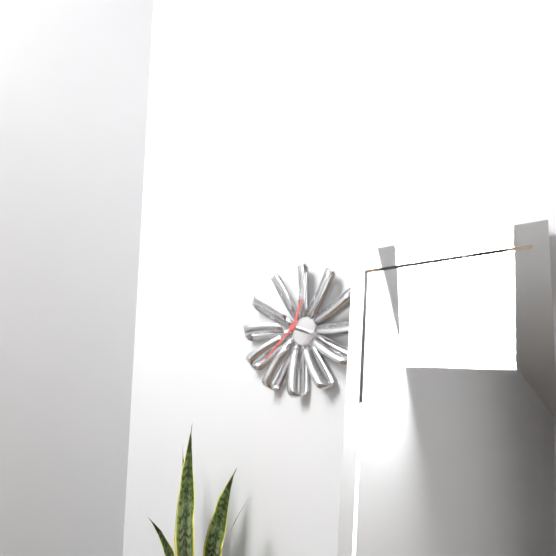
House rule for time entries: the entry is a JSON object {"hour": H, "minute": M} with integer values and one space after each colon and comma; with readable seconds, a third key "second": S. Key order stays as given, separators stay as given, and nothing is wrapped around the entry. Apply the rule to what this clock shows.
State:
{"hour": 12, "minute": 38}
